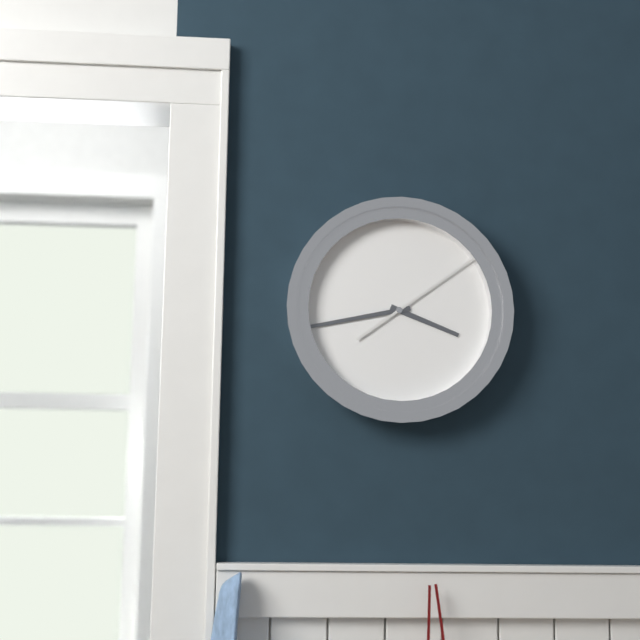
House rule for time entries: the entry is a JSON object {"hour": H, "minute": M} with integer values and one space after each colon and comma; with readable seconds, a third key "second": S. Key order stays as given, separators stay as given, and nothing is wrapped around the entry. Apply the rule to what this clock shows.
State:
{"hour": 3, "minute": 43, "second": 9}
